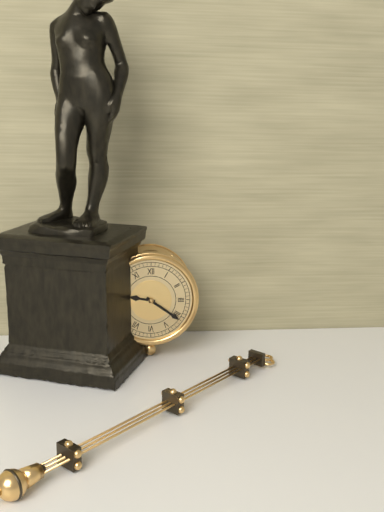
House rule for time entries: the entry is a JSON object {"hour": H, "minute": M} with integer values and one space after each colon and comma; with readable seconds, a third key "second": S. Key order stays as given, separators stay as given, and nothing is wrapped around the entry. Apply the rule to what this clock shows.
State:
{"hour": 9, "minute": 21}
